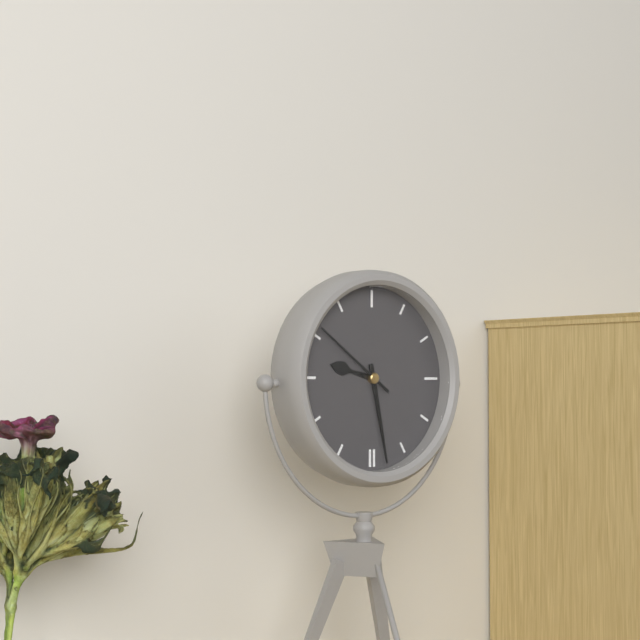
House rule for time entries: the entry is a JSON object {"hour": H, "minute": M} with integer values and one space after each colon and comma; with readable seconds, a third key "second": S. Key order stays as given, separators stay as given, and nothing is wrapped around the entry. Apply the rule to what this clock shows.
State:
{"hour": 9, "minute": 28, "second": 51}
